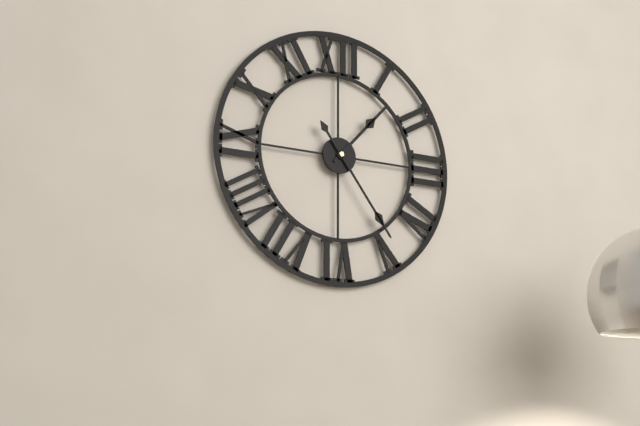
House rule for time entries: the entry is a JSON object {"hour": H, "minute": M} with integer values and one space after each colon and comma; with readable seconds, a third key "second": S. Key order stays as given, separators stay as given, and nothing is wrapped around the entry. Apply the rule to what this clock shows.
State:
{"hour": 1, "minute": 24}
